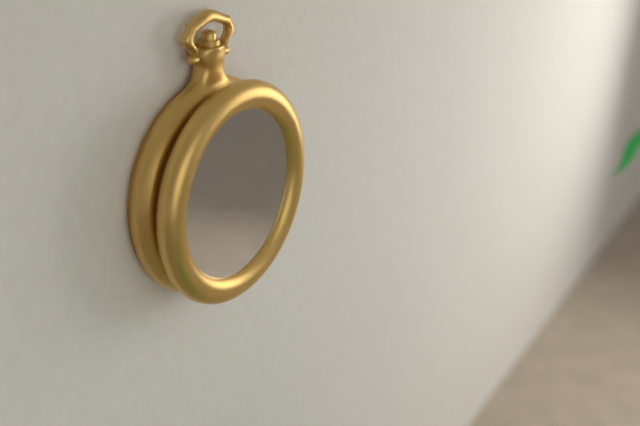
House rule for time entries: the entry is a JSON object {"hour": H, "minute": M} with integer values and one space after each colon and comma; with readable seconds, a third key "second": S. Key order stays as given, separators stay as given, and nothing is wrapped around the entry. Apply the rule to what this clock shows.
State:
{"hour": 1, "minute": 11}
